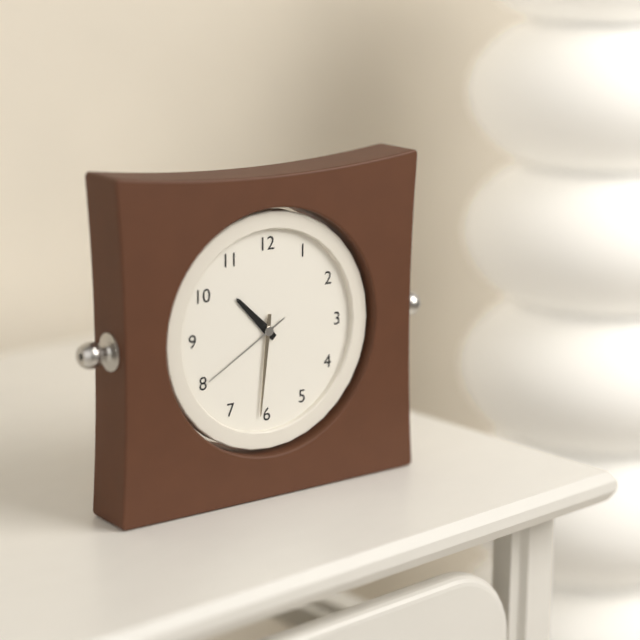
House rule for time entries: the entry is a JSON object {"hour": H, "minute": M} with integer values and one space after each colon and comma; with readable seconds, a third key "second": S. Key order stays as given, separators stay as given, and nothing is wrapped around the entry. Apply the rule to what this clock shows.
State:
{"hour": 10, "minute": 31, "second": 40}
